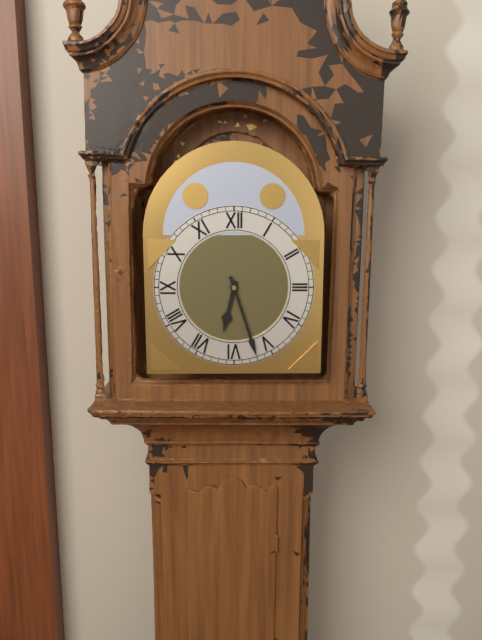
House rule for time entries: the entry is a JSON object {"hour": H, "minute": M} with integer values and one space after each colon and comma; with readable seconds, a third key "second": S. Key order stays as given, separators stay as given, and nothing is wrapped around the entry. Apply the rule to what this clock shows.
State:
{"hour": 6, "minute": 27}
